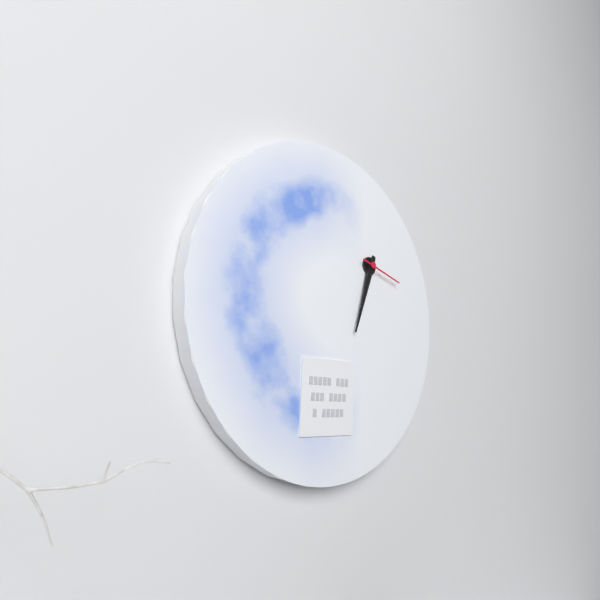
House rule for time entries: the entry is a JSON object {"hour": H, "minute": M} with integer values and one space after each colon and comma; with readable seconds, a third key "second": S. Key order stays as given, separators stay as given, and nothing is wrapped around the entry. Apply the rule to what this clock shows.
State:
{"hour": 6, "minute": 33}
